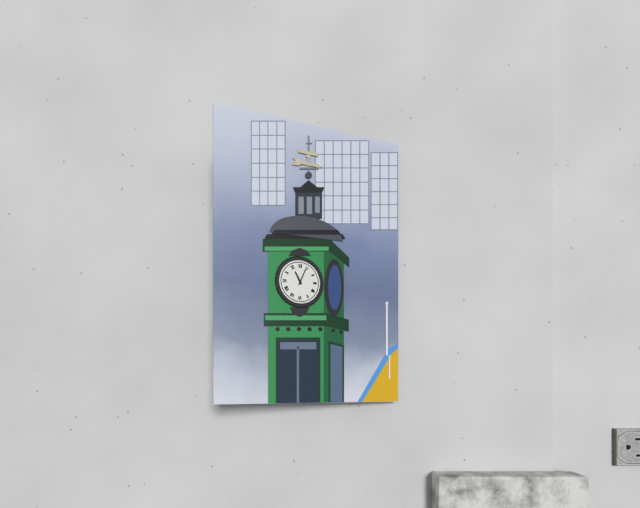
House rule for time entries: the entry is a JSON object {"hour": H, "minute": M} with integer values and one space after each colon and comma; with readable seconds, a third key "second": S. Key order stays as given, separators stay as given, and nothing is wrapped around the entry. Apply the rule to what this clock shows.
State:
{"hour": 11, "minute": 4}
